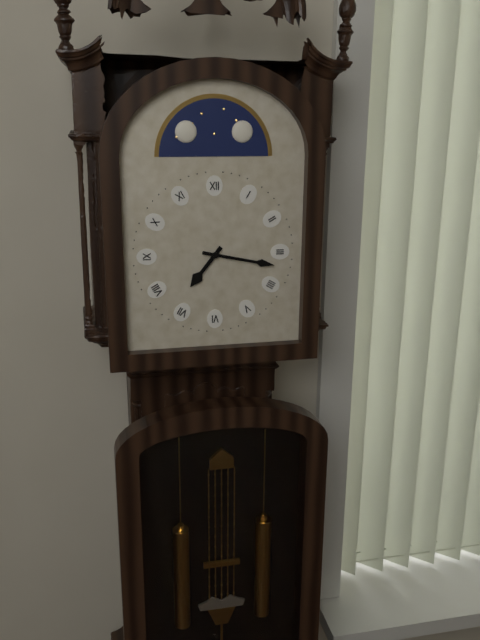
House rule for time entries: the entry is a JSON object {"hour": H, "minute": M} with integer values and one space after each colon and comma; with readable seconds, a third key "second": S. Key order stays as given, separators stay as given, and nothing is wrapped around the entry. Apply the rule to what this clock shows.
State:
{"hour": 7, "minute": 17}
